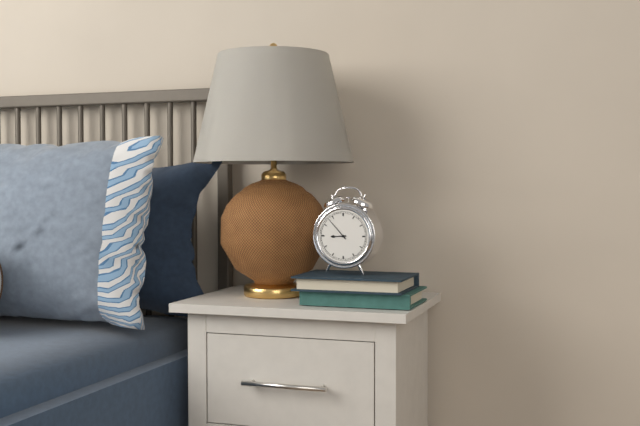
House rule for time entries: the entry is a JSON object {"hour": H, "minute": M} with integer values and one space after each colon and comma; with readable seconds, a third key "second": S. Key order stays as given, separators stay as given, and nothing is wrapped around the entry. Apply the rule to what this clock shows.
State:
{"hour": 8, "minute": 53}
